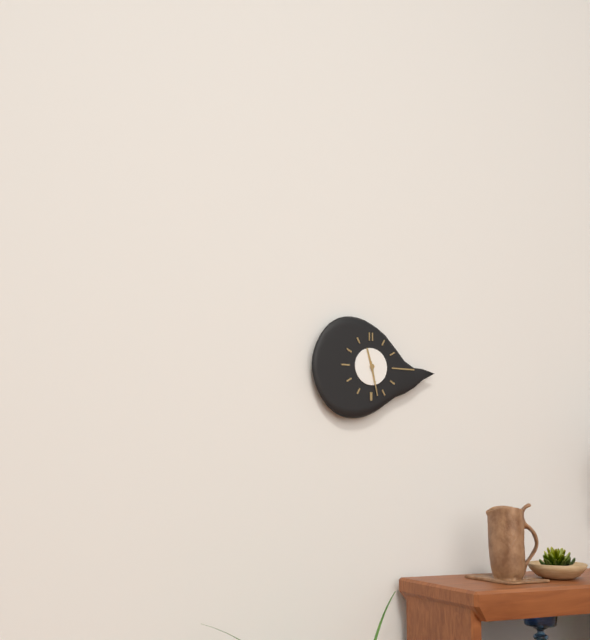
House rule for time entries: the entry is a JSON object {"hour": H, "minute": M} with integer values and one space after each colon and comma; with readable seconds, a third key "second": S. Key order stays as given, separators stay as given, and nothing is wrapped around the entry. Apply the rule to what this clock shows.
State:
{"hour": 11, "minute": 28}
